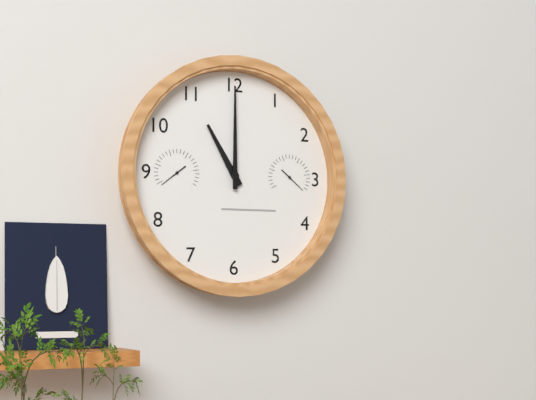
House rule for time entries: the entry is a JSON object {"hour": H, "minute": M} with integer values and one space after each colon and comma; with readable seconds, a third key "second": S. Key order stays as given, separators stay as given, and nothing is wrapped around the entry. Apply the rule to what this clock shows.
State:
{"hour": 11, "minute": 0}
